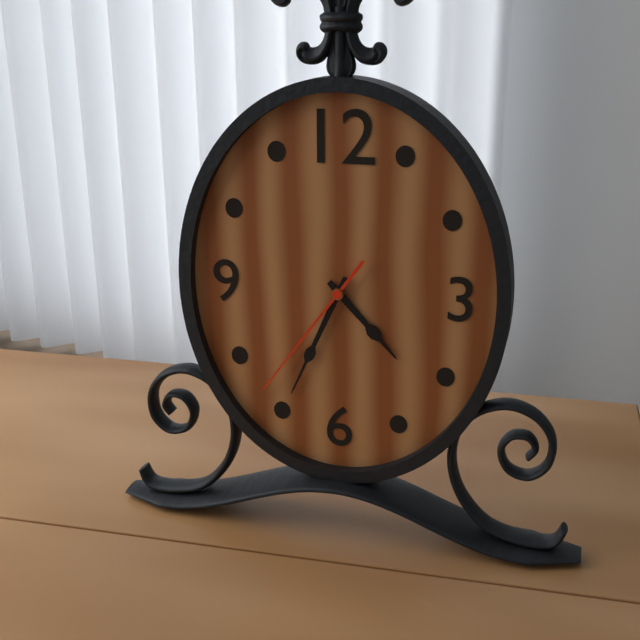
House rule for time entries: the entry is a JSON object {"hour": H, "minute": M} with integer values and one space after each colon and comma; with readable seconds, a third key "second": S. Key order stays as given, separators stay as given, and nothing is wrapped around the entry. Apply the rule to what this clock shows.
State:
{"hour": 4, "minute": 34, "second": 36}
